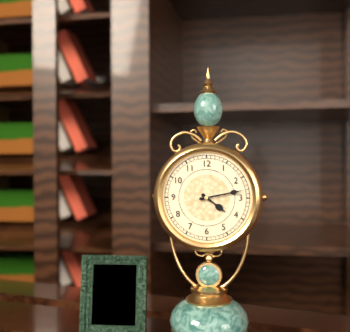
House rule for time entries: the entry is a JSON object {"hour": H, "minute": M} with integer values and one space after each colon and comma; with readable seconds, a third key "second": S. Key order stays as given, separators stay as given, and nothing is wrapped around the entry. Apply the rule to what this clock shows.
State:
{"hour": 4, "minute": 13}
